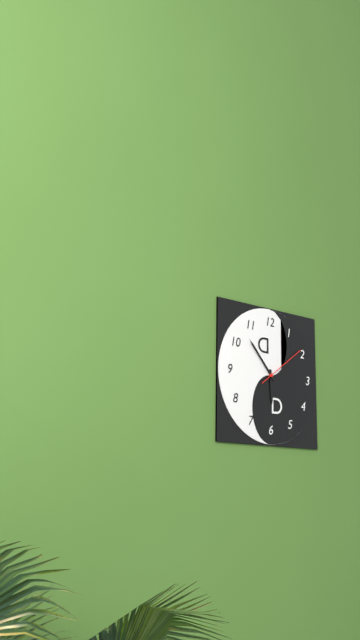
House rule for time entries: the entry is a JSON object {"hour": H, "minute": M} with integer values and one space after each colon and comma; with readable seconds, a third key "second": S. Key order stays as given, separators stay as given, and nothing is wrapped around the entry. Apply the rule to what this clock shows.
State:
{"hour": 5, "minute": 53}
